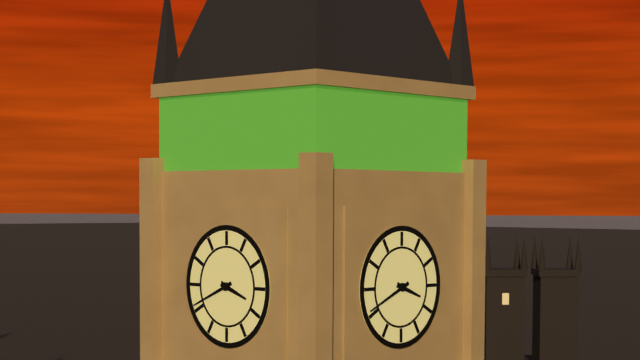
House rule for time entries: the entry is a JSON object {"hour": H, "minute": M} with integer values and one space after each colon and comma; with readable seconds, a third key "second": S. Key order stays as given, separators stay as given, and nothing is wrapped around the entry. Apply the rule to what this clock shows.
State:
{"hour": 3, "minute": 41}
